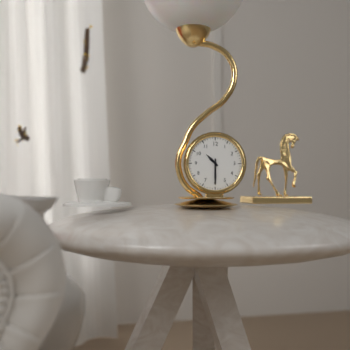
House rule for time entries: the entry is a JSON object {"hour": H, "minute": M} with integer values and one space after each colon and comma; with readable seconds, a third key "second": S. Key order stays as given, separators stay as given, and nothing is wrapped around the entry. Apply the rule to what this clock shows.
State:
{"hour": 10, "minute": 30}
